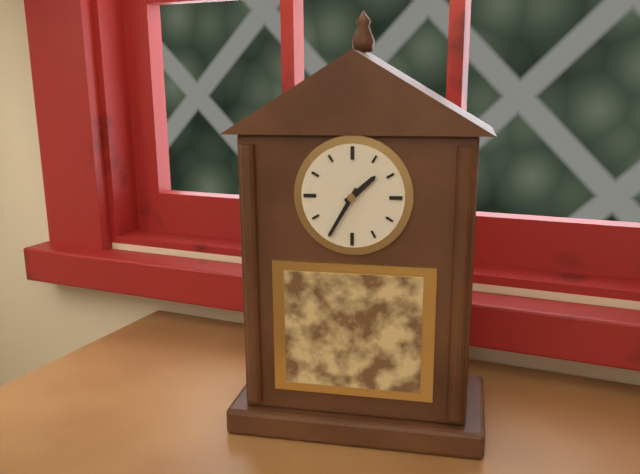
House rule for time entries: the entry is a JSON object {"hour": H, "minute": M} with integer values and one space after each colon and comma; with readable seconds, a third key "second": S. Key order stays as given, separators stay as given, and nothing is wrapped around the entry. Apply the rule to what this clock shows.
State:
{"hour": 1, "minute": 35}
